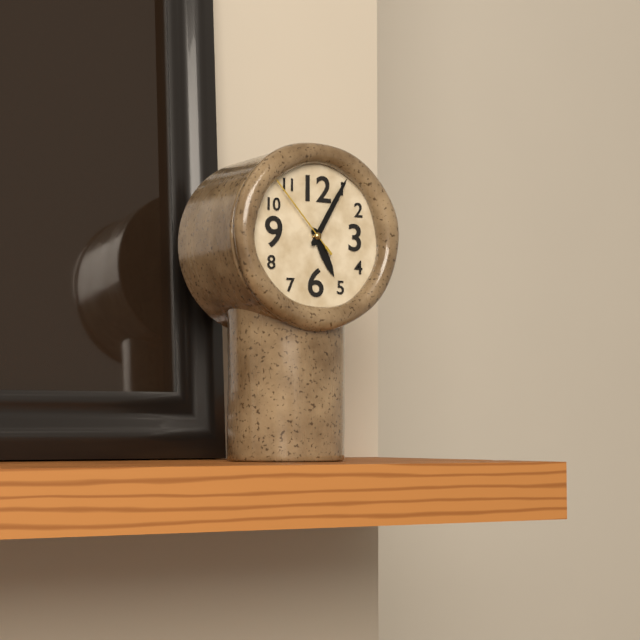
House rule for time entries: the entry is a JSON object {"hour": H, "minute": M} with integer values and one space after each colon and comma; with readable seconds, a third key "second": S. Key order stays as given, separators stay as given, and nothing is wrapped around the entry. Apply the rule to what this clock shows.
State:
{"hour": 5, "minute": 5, "second": 53}
